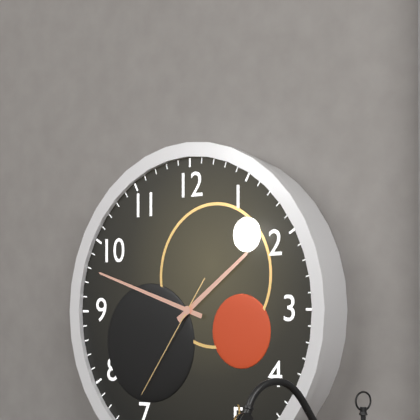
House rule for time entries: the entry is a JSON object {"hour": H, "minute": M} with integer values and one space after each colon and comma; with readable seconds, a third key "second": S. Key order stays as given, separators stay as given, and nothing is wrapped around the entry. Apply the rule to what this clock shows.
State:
{"hour": 1, "minute": 48, "second": 36}
